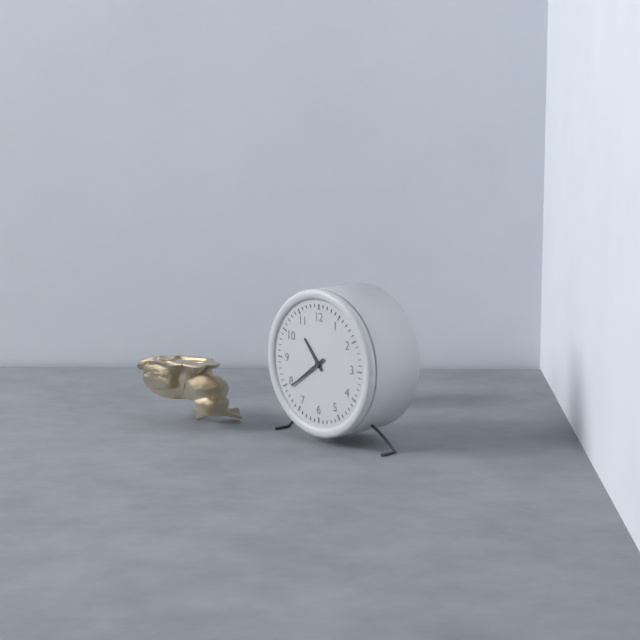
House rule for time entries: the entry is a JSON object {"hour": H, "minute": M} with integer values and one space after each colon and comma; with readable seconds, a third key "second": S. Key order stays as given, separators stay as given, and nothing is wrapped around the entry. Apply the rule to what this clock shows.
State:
{"hour": 10, "minute": 39}
